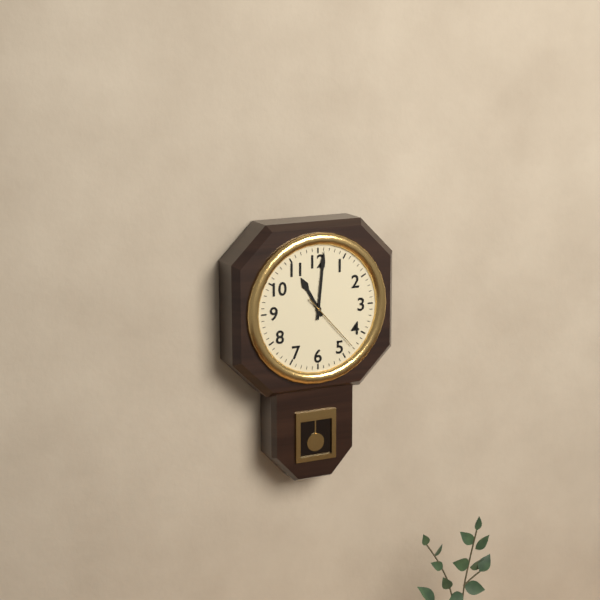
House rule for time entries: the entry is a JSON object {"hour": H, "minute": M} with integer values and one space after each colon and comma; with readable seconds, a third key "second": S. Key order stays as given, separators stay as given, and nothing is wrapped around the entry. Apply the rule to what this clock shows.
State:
{"hour": 11, "minute": 1, "second": 23}
